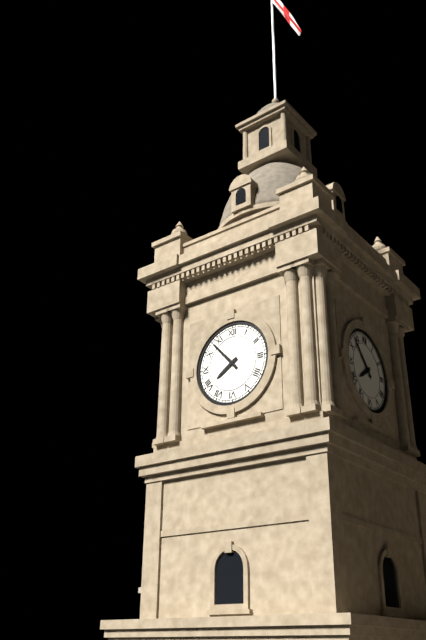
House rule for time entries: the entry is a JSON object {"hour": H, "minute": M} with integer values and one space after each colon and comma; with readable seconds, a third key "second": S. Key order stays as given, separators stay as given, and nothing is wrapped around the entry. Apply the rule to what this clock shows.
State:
{"hour": 7, "minute": 53}
